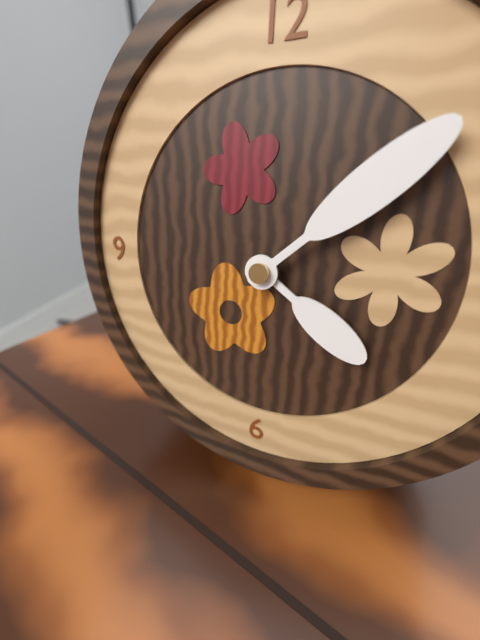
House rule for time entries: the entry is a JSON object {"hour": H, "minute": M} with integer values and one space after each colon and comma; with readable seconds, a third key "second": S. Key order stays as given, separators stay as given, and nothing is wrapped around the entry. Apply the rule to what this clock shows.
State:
{"hour": 4, "minute": 8}
